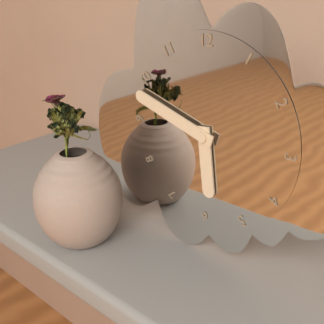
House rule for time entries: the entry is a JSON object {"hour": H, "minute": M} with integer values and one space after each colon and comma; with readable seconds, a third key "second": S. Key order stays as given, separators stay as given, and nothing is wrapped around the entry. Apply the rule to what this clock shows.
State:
{"hour": 5, "minute": 48}
